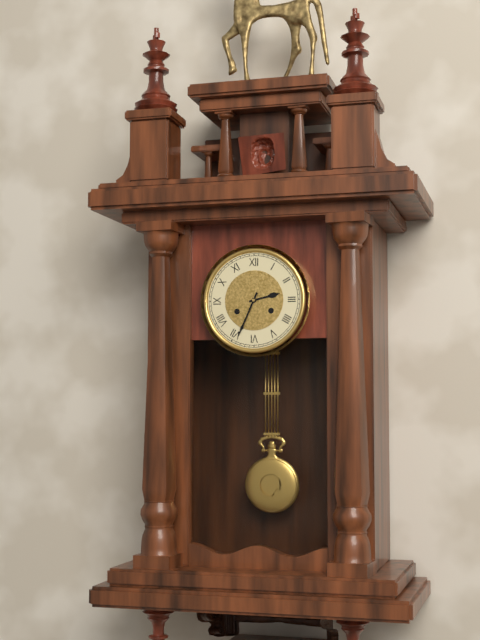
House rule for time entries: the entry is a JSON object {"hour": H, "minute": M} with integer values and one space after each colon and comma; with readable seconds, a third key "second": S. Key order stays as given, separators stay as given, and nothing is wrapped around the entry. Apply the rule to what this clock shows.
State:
{"hour": 2, "minute": 34}
